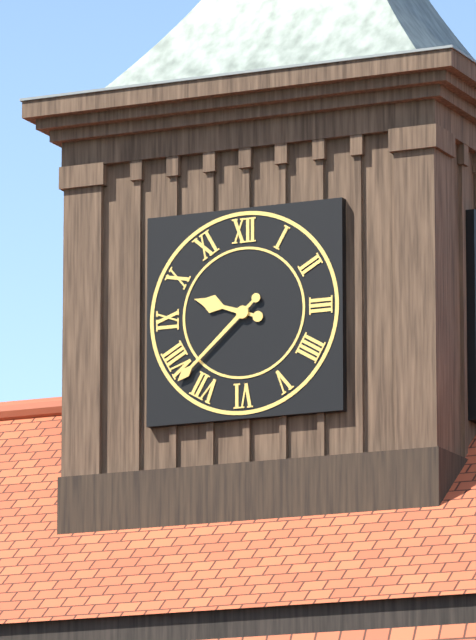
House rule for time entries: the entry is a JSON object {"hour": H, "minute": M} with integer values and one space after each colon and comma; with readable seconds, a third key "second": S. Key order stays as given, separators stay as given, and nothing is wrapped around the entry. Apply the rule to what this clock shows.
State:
{"hour": 9, "minute": 38}
